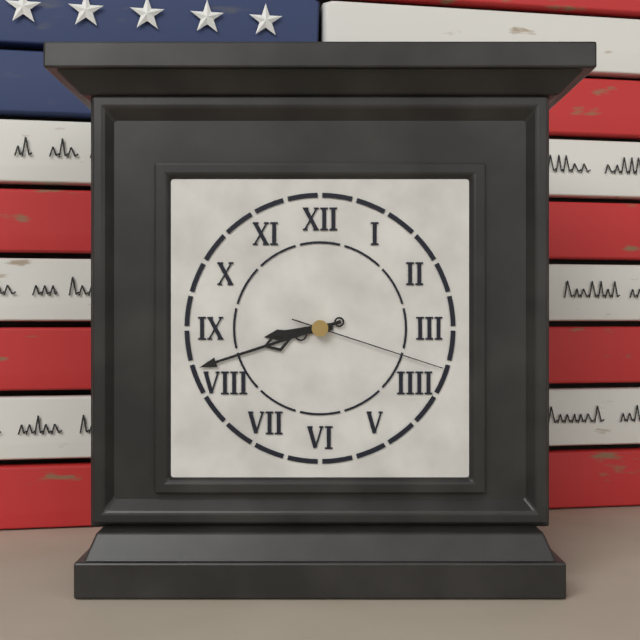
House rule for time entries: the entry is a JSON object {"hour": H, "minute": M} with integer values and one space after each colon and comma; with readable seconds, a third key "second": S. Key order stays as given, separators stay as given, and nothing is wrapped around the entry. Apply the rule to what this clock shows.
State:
{"hour": 8, "minute": 42, "second": 18}
